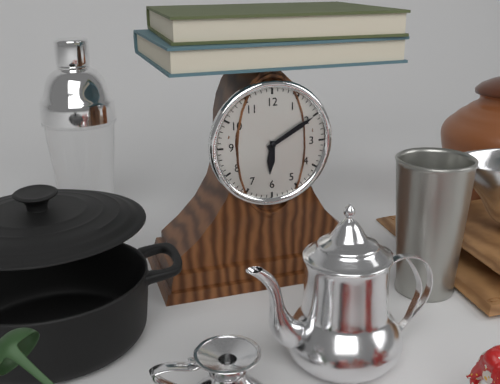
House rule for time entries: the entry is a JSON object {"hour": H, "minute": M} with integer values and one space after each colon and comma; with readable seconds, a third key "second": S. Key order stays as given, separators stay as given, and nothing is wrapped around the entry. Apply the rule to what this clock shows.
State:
{"hour": 6, "minute": 10}
